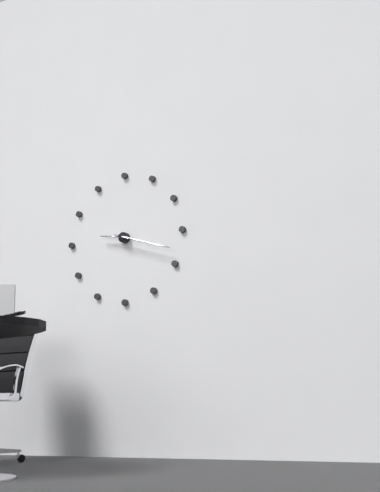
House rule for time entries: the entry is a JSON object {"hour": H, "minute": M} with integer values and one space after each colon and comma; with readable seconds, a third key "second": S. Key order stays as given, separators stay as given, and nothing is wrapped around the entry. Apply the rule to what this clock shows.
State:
{"hour": 9, "minute": 18}
